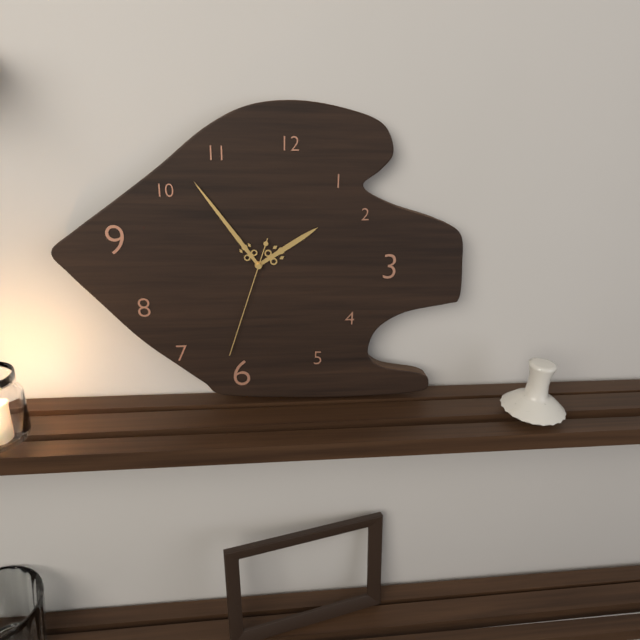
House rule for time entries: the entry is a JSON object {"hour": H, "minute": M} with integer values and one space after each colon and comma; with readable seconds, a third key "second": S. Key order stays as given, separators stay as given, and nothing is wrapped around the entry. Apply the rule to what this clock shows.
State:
{"hour": 1, "minute": 54, "second": 33}
